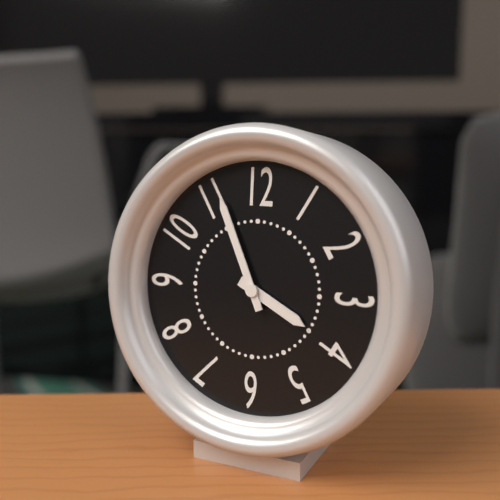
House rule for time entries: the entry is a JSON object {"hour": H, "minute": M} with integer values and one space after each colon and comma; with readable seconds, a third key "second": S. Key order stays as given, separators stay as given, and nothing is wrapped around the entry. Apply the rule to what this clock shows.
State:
{"hour": 3, "minute": 56}
